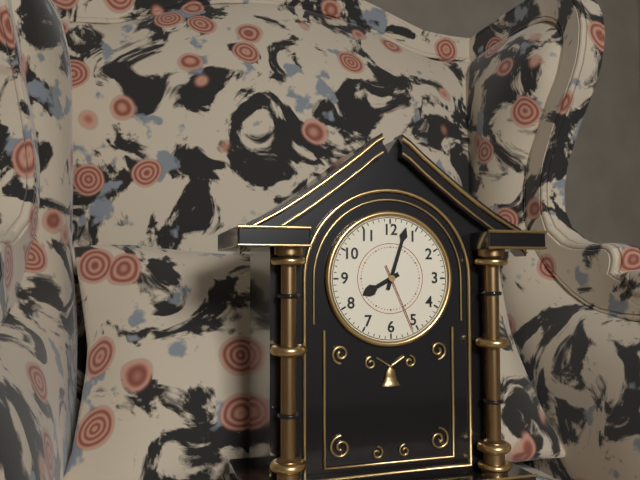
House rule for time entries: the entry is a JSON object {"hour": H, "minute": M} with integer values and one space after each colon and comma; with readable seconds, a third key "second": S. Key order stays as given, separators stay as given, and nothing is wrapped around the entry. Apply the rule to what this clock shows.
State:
{"hour": 8, "minute": 3, "second": 26}
